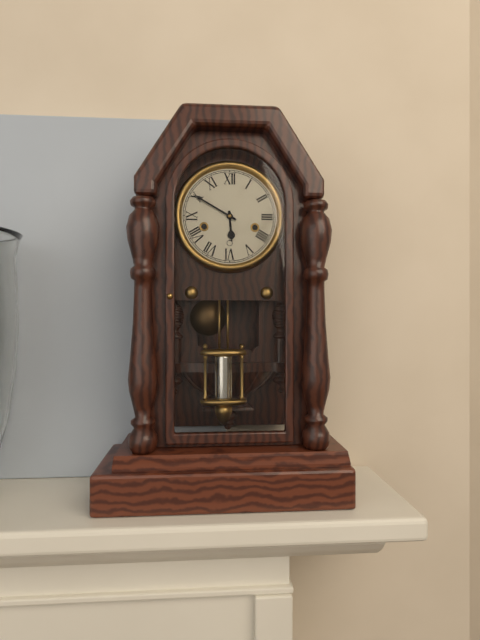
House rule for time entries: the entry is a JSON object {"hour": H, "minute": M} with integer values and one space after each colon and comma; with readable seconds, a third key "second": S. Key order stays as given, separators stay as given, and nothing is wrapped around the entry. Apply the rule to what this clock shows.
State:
{"hour": 5, "minute": 50}
